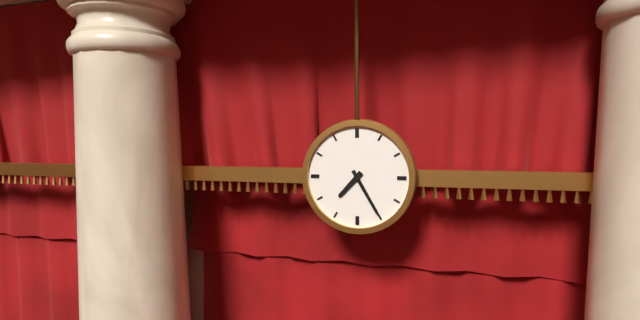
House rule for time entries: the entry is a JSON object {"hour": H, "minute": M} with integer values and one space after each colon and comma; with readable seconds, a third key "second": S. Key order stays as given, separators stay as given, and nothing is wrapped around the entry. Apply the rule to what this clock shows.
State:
{"hour": 7, "minute": 25}
